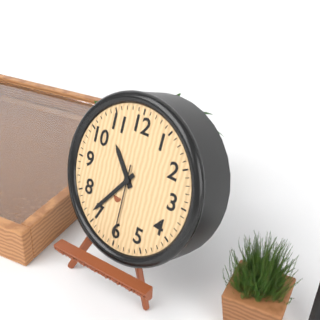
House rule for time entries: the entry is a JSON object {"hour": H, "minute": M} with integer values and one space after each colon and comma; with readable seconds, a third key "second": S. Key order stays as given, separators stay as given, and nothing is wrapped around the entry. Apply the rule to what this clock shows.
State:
{"hour": 10, "minute": 36, "second": 30}
